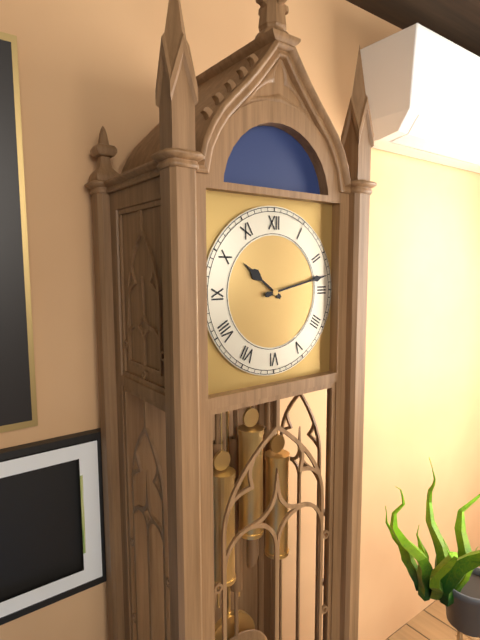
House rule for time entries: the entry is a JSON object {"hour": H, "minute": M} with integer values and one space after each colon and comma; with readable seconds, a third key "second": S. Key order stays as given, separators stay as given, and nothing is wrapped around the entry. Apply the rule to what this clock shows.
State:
{"hour": 10, "minute": 13}
